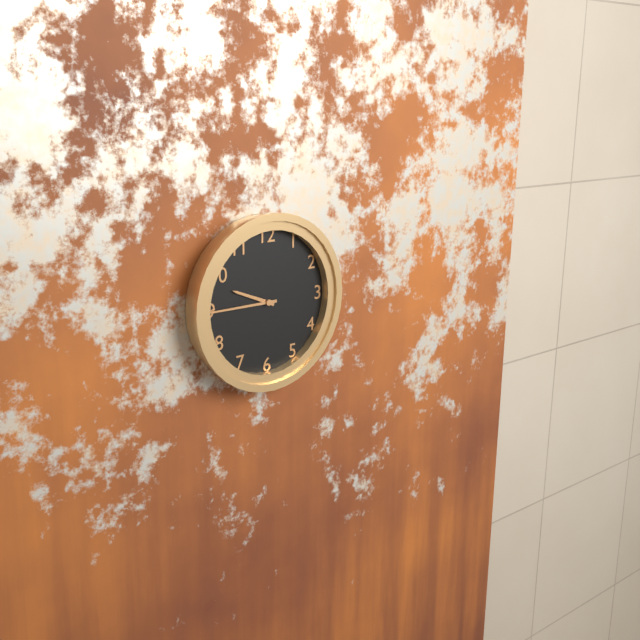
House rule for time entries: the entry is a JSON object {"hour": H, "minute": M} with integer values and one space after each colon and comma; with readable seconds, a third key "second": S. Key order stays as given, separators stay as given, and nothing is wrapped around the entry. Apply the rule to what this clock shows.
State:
{"hour": 9, "minute": 45}
